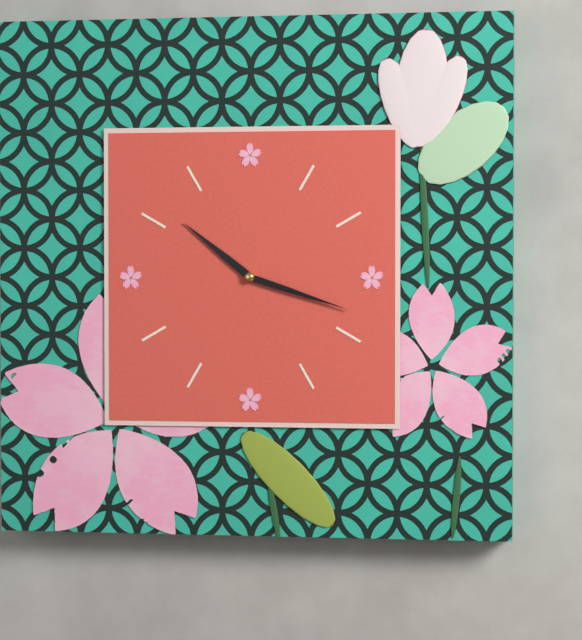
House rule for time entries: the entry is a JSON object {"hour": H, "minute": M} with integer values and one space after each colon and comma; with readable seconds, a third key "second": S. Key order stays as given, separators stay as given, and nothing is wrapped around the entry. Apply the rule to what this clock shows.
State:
{"hour": 10, "minute": 18}
